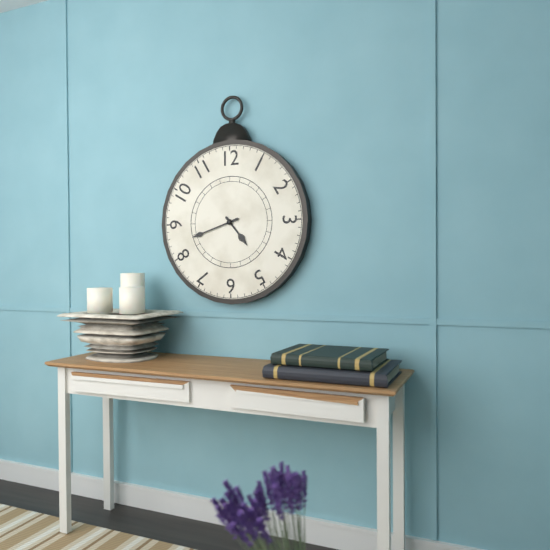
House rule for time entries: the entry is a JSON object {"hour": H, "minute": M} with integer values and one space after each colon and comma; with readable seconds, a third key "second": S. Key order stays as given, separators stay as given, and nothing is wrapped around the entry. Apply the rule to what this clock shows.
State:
{"hour": 4, "minute": 42}
